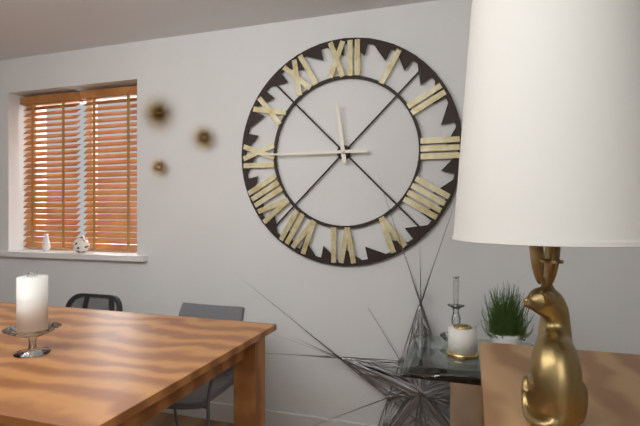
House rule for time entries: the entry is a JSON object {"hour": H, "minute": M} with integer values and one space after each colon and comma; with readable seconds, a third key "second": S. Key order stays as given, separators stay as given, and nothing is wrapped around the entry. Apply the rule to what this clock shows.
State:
{"hour": 11, "minute": 45}
